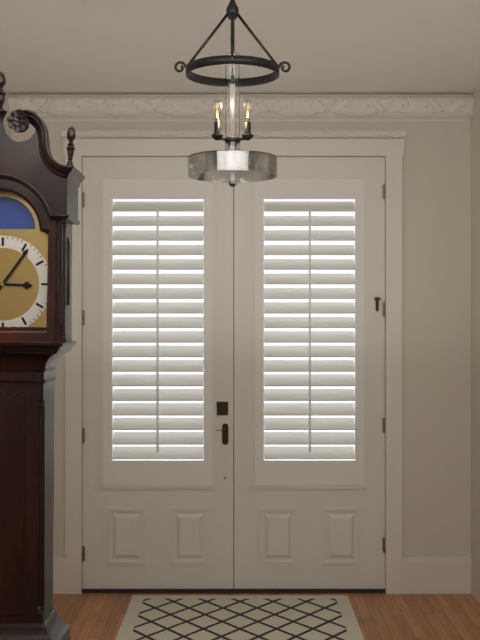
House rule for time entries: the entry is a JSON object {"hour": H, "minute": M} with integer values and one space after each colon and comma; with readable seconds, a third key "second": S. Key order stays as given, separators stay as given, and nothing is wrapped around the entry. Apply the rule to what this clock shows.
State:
{"hour": 3, "minute": 6}
